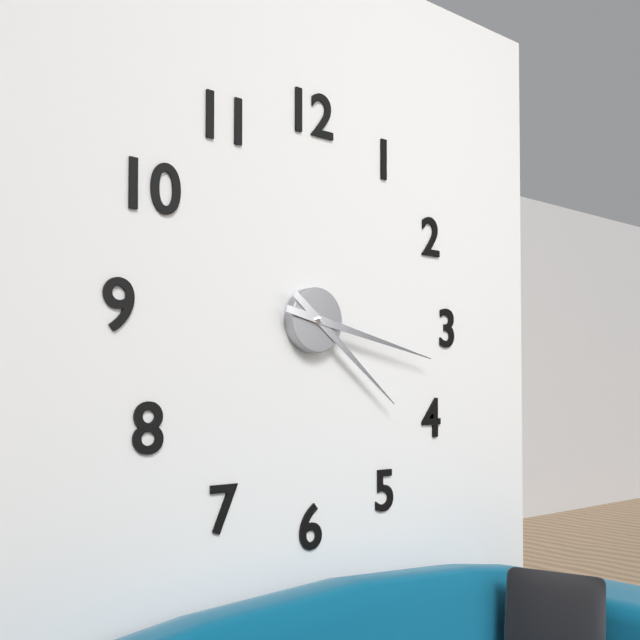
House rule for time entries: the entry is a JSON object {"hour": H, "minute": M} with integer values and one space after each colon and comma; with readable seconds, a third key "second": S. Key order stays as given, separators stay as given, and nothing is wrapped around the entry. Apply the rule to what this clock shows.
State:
{"hour": 4, "minute": 17}
